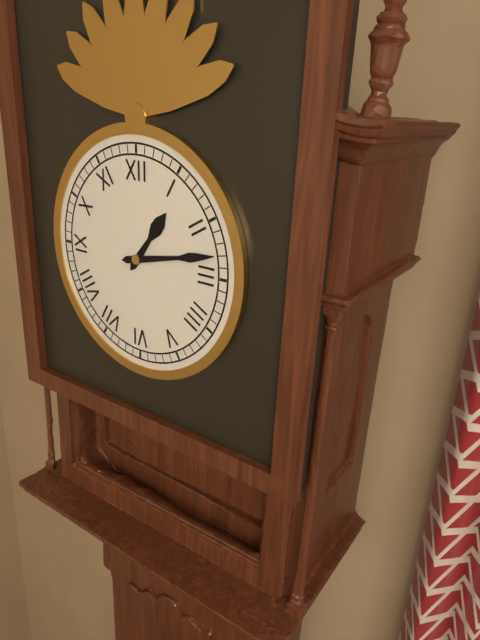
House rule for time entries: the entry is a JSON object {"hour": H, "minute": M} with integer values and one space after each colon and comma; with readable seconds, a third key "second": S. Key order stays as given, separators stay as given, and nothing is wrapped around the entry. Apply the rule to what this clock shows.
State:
{"hour": 1, "minute": 13}
